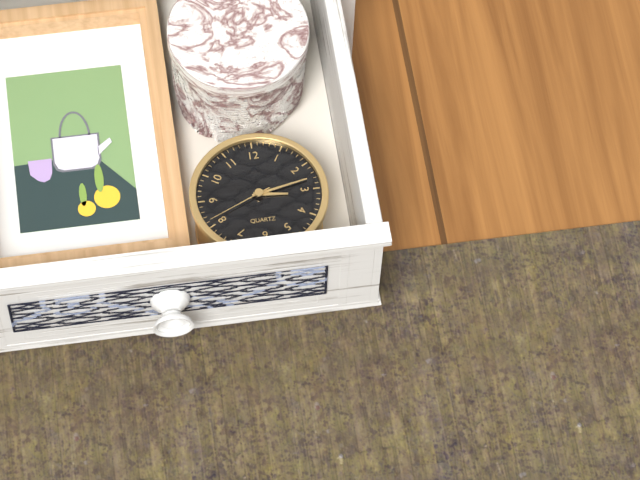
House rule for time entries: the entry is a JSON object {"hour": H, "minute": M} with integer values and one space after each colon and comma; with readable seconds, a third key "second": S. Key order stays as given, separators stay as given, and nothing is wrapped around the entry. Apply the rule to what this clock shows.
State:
{"hour": 3, "minute": 13, "second": 41}
